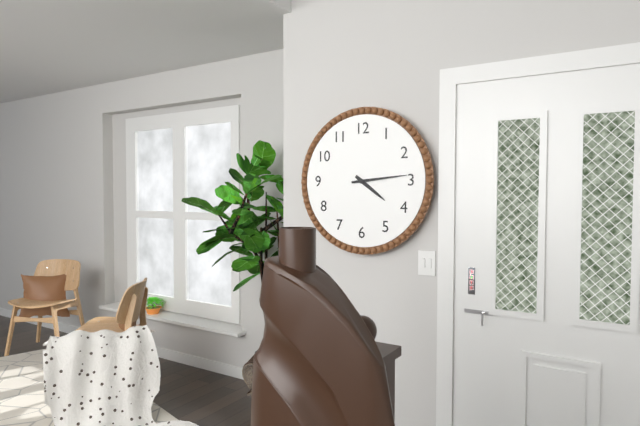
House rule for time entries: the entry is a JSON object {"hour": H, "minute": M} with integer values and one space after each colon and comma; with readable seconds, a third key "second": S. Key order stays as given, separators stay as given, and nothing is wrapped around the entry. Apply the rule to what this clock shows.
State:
{"hour": 4, "minute": 14}
